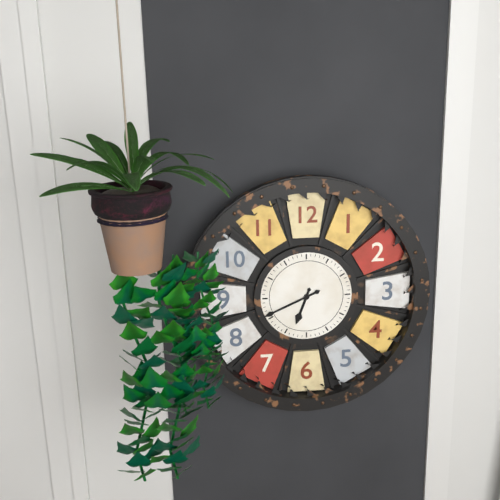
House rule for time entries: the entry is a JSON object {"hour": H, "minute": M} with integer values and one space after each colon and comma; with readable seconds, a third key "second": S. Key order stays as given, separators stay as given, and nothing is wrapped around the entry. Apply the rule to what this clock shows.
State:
{"hour": 6, "minute": 41}
